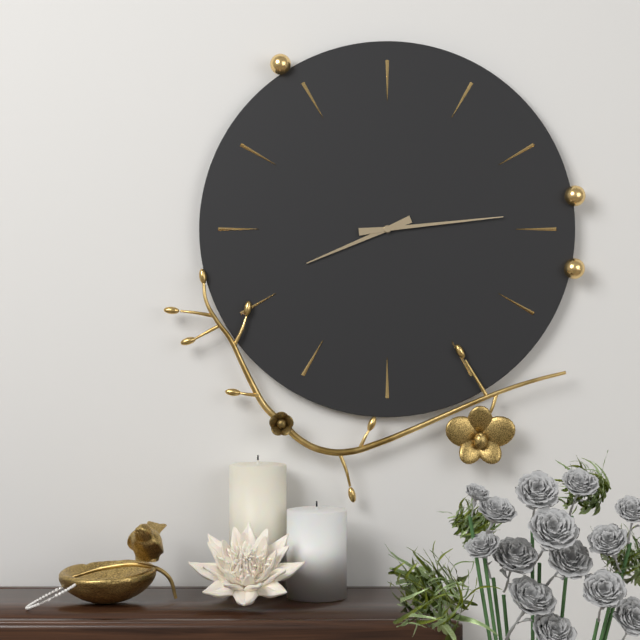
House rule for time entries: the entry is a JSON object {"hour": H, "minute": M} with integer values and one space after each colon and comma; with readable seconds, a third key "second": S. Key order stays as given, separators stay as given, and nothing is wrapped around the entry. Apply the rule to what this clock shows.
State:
{"hour": 8, "minute": 14}
